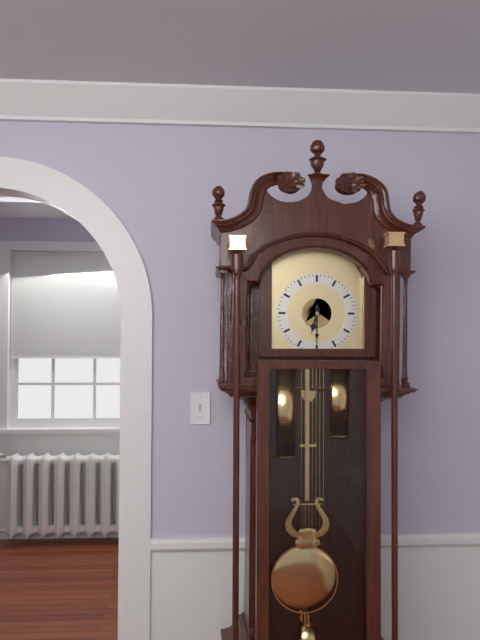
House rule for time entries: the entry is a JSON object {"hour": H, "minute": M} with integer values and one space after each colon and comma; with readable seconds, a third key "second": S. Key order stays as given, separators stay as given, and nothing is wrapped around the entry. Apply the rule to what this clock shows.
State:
{"hour": 6, "minute": 30}
